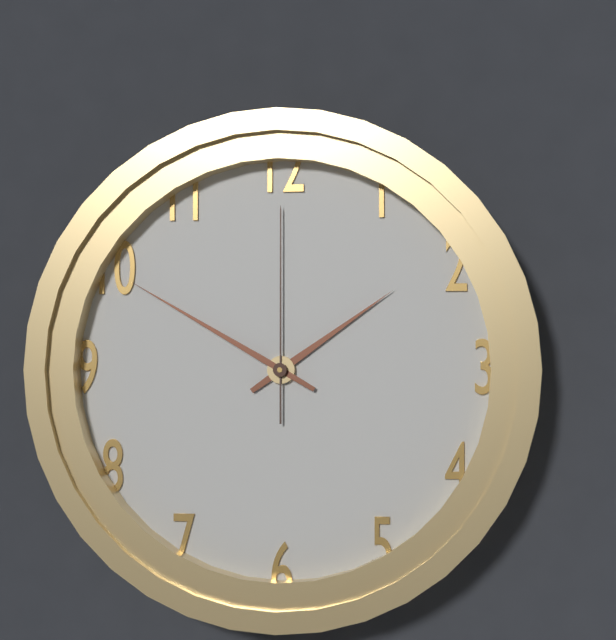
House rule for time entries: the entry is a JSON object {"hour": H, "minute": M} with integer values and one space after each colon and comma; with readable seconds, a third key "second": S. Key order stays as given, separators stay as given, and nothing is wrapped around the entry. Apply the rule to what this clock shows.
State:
{"hour": 1, "minute": 50, "second": 0}
